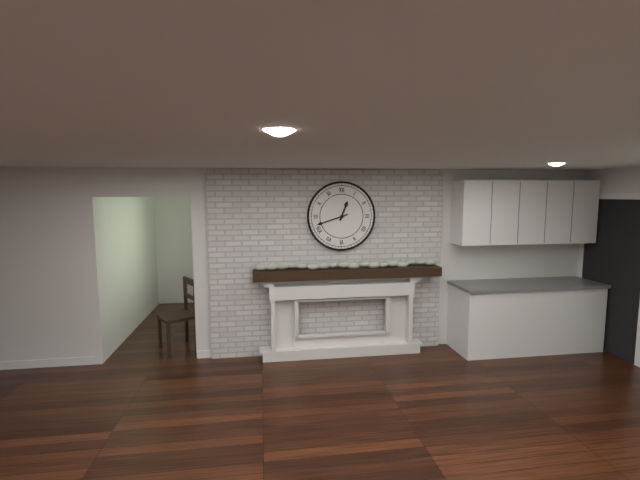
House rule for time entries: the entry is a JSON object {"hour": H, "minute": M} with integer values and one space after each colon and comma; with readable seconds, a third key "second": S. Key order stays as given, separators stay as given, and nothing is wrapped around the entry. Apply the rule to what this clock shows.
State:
{"hour": 12, "minute": 42}
